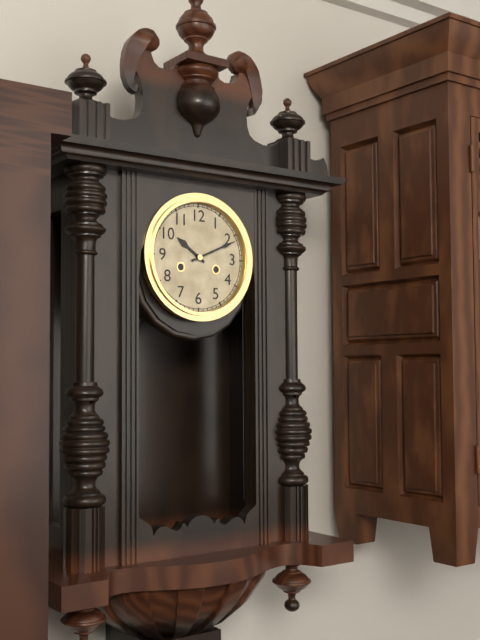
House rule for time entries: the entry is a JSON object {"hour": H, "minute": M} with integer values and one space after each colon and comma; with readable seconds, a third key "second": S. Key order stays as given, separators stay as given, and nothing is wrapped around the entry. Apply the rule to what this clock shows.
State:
{"hour": 10, "minute": 11}
